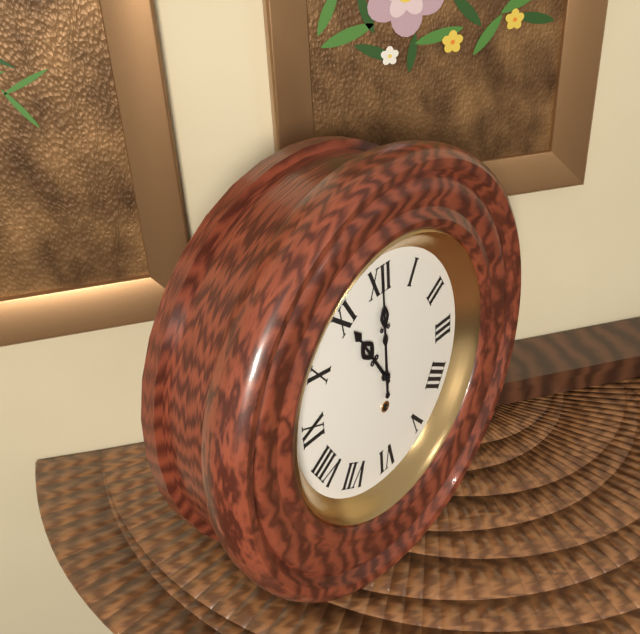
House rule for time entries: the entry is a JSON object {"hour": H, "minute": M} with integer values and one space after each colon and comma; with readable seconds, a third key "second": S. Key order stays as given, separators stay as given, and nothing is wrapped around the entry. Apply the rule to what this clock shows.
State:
{"hour": 11, "minute": 0}
